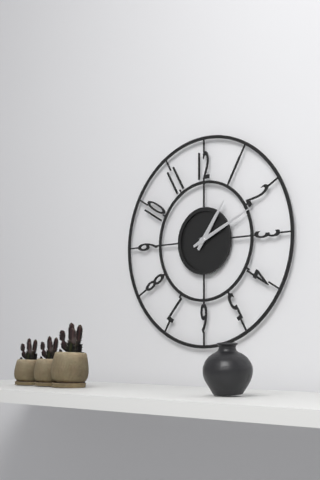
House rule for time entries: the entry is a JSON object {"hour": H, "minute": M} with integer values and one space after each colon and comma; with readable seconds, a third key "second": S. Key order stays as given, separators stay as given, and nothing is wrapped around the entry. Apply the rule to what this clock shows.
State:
{"hour": 1, "minute": 11}
